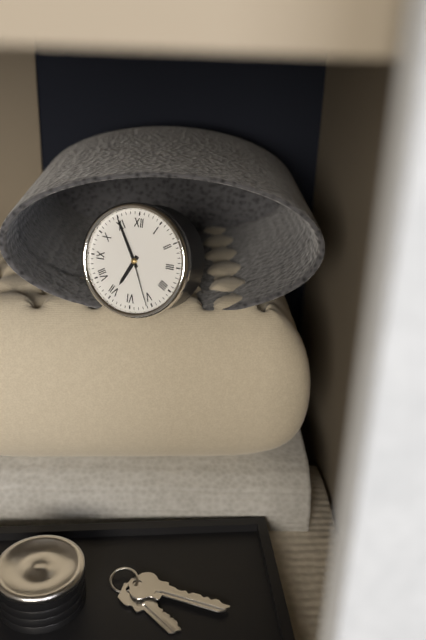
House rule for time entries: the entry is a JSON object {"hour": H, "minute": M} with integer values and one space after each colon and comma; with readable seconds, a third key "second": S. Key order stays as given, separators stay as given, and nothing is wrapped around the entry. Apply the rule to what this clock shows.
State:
{"hour": 6, "minute": 55, "second": 26}
